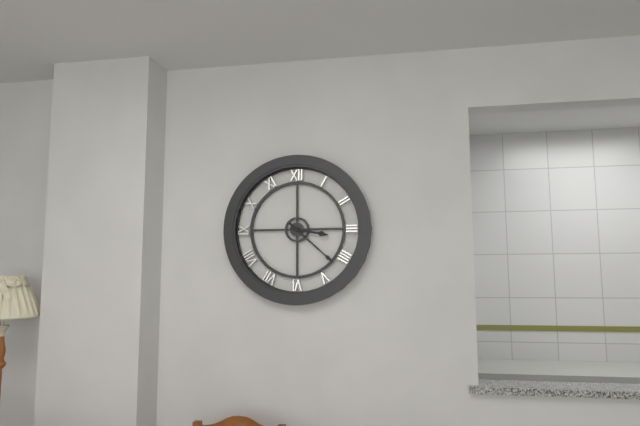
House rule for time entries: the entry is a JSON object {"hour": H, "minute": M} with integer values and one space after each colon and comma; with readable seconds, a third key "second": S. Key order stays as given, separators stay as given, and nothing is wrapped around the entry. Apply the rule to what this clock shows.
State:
{"hour": 3, "minute": 22}
